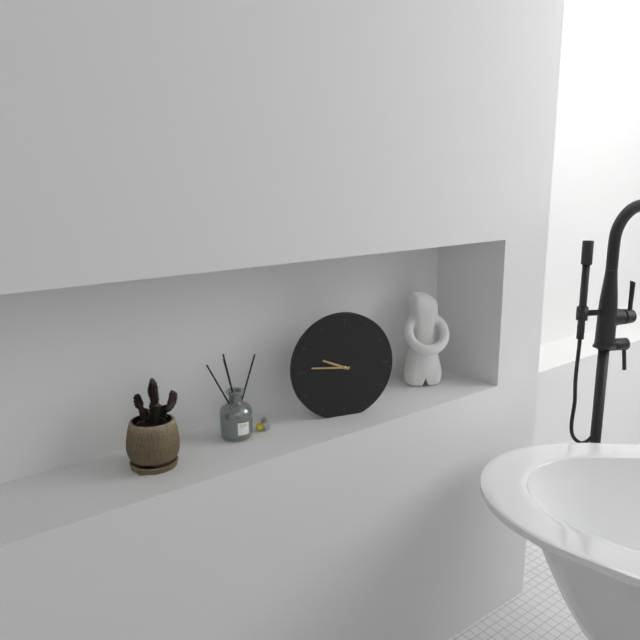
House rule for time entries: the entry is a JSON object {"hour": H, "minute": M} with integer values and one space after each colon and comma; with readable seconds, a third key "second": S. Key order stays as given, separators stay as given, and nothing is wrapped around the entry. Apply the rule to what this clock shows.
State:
{"hour": 9, "minute": 46}
